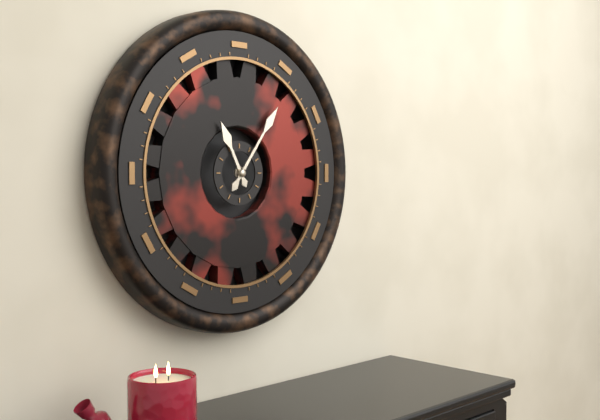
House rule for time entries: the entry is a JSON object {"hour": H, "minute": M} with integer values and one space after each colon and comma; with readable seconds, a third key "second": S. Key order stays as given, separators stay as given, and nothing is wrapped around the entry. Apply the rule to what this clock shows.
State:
{"hour": 11, "minute": 6}
